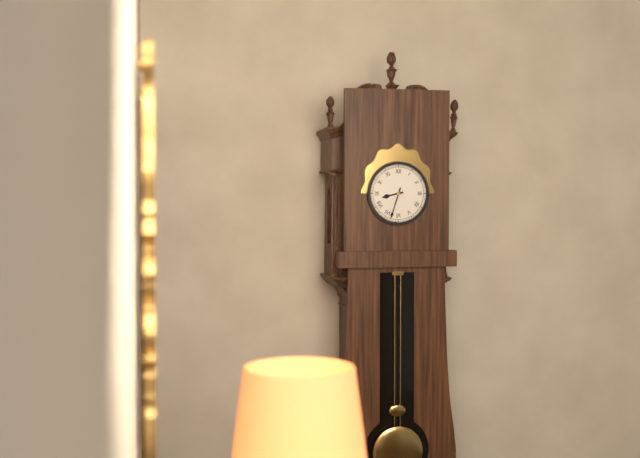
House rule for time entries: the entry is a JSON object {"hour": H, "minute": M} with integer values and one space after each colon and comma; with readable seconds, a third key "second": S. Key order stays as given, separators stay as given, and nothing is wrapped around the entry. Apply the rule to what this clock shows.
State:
{"hour": 8, "minute": 33}
